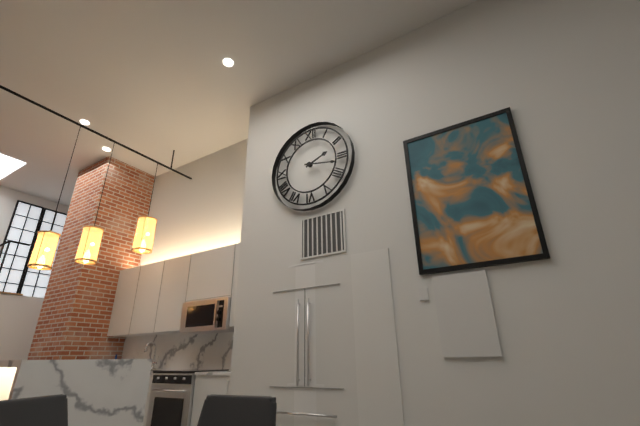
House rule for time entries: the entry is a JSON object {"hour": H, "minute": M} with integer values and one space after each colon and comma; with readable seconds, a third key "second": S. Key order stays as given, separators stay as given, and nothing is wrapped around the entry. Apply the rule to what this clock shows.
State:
{"hour": 2, "minute": 17}
